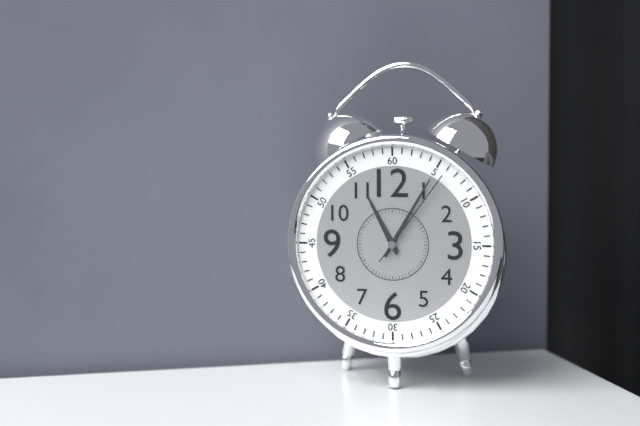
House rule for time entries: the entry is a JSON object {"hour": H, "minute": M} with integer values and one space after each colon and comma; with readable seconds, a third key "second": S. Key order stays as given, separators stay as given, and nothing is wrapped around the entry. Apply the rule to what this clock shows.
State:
{"hour": 11, "minute": 5, "second": 6}
